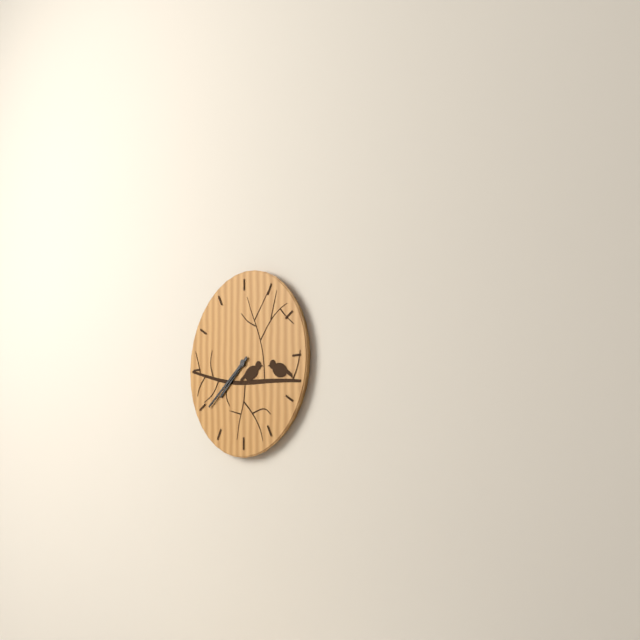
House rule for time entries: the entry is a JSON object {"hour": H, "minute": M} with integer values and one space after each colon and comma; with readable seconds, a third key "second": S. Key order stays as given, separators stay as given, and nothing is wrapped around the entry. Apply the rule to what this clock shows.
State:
{"hour": 7, "minute": 39}
